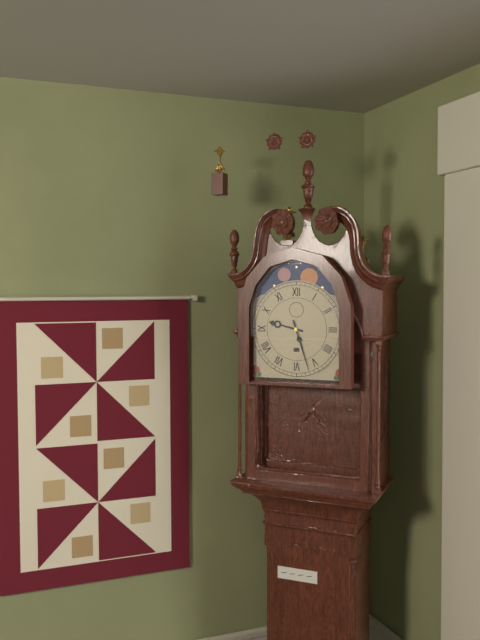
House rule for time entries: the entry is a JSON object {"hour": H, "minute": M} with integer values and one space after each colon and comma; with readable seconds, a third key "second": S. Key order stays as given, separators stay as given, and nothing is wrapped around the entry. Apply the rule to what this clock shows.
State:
{"hour": 9, "minute": 27}
